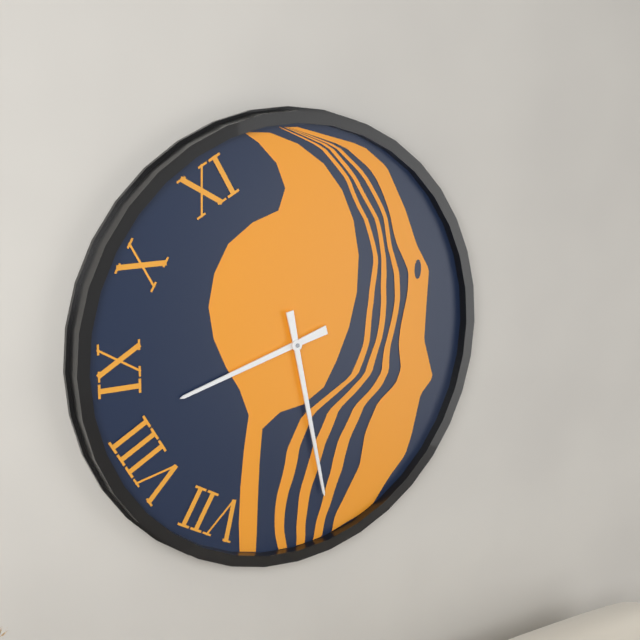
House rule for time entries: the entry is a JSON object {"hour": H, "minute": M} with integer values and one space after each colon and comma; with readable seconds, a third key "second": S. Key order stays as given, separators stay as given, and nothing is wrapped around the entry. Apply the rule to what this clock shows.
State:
{"hour": 8, "minute": 28}
